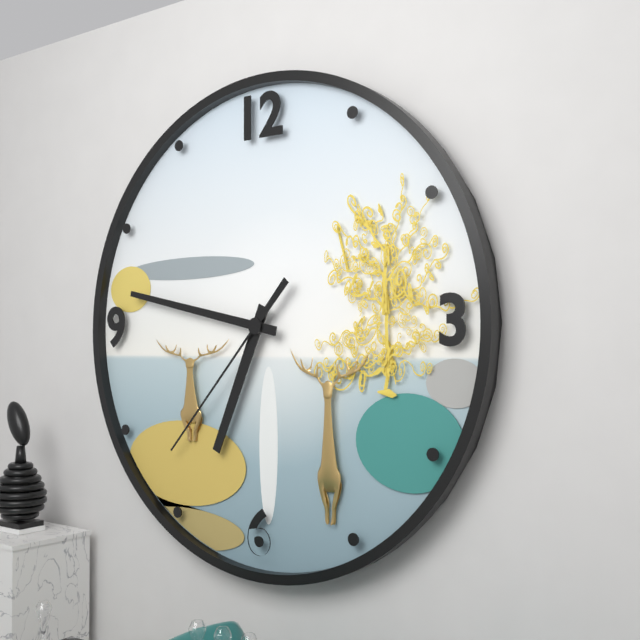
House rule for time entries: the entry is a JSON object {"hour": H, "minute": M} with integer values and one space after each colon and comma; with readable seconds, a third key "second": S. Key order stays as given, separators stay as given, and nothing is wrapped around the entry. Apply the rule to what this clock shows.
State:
{"hour": 6, "minute": 47, "second": 37}
